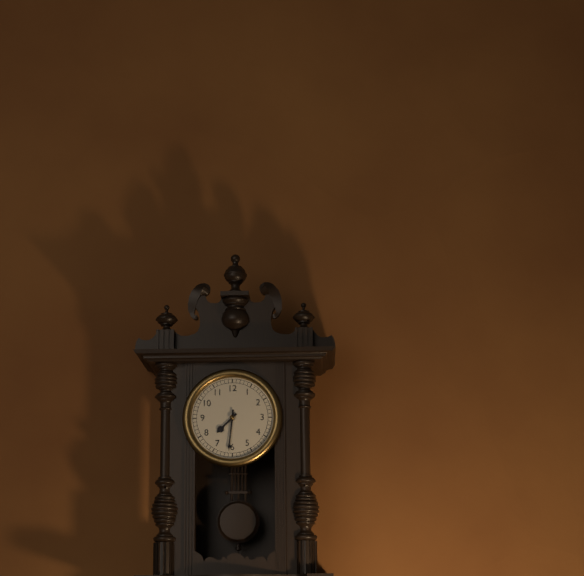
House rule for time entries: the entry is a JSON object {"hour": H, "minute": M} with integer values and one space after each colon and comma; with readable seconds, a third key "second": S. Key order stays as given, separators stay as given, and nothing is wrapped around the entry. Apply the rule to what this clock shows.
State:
{"hour": 7, "minute": 31}
